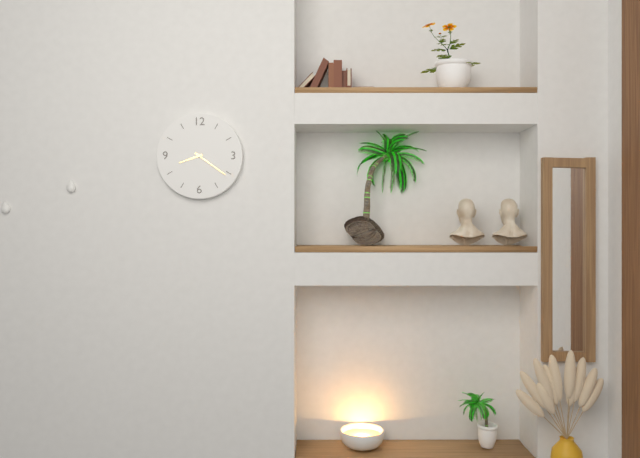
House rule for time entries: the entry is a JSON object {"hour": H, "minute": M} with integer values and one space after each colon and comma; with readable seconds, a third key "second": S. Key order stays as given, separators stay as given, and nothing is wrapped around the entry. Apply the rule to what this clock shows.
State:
{"hour": 8, "minute": 21}
